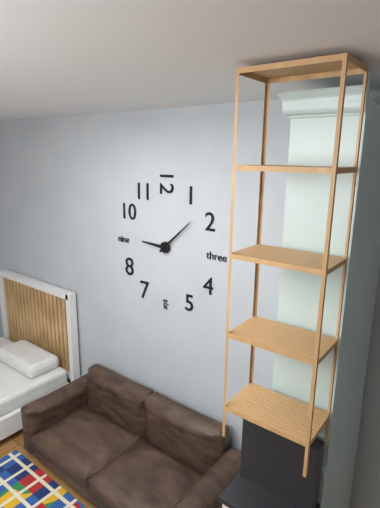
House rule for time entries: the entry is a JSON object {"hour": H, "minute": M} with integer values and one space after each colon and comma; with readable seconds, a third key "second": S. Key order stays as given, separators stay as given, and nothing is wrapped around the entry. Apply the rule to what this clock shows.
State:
{"hour": 9, "minute": 8}
